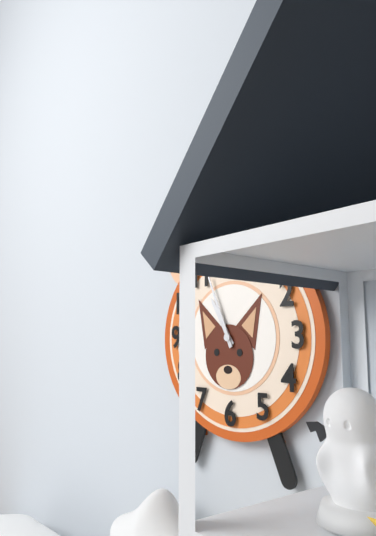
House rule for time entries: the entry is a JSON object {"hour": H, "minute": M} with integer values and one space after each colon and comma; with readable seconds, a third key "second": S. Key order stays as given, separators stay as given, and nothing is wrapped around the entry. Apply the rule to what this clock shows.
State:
{"hour": 10, "minute": 56}
